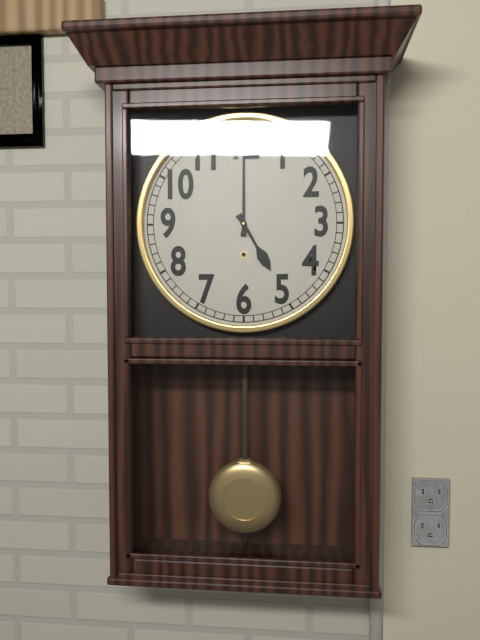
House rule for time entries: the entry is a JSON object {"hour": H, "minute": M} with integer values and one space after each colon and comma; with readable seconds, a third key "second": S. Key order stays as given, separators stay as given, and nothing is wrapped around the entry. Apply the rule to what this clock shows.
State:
{"hour": 5, "minute": 0}
